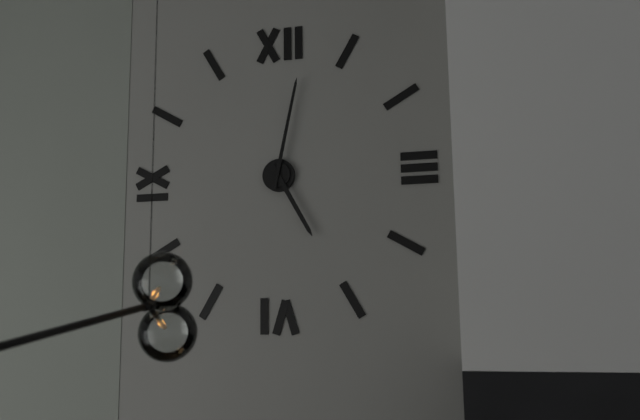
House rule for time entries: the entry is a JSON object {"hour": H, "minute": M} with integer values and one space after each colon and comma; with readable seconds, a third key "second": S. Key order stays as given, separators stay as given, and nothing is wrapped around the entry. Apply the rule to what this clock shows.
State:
{"hour": 5, "minute": 2}
